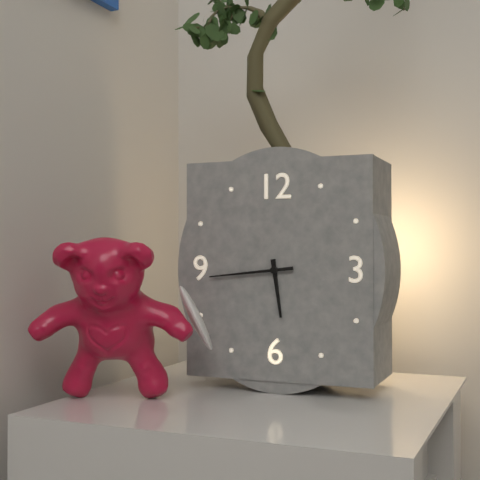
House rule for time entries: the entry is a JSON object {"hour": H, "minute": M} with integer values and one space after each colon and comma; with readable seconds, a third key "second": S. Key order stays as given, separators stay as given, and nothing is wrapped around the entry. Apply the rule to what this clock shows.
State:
{"hour": 5, "minute": 44}
